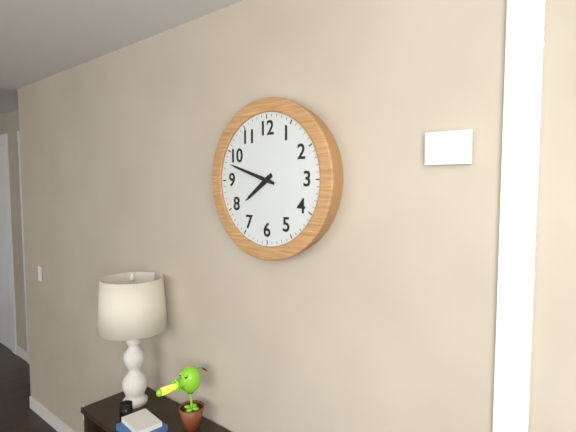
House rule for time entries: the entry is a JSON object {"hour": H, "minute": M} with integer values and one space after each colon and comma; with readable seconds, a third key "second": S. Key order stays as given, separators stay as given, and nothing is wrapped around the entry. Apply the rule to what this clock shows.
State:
{"hour": 7, "minute": 48}
